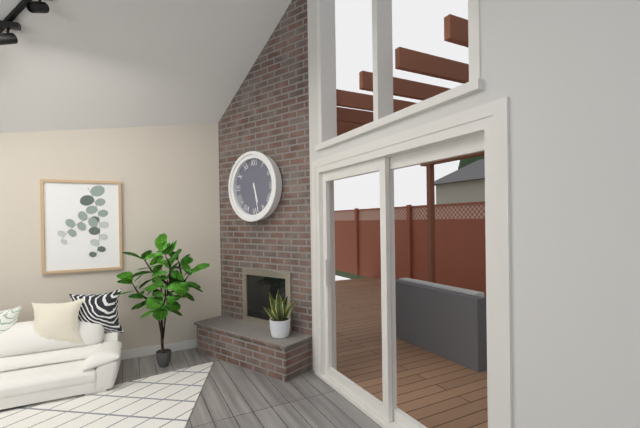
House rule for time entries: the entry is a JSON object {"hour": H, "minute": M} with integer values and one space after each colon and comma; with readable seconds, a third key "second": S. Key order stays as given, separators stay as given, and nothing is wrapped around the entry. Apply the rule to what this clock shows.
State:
{"hour": 5, "minute": 28}
